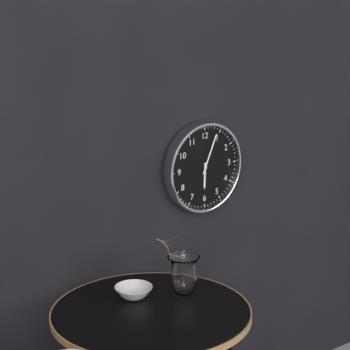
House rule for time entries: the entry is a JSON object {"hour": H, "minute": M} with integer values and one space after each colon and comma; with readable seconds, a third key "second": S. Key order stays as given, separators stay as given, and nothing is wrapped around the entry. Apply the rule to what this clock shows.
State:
{"hour": 6, "minute": 4}
